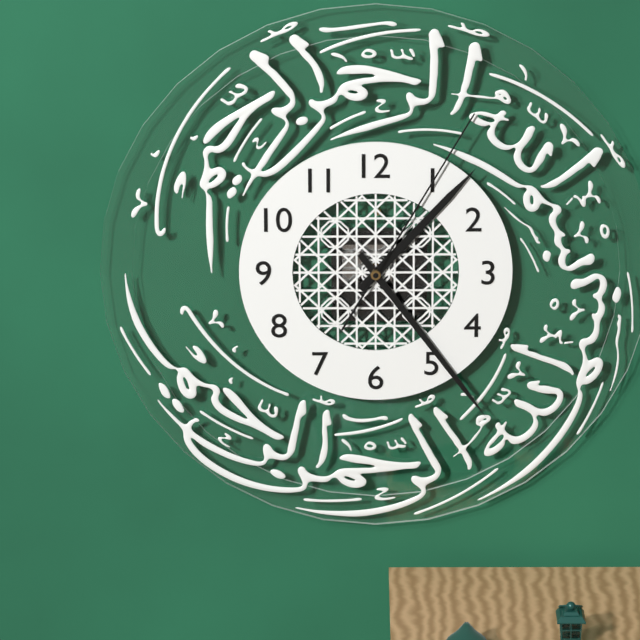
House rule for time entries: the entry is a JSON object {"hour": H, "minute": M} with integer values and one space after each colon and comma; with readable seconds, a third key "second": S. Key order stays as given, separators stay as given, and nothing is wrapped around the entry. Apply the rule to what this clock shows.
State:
{"hour": 1, "minute": 24, "second": 5}
